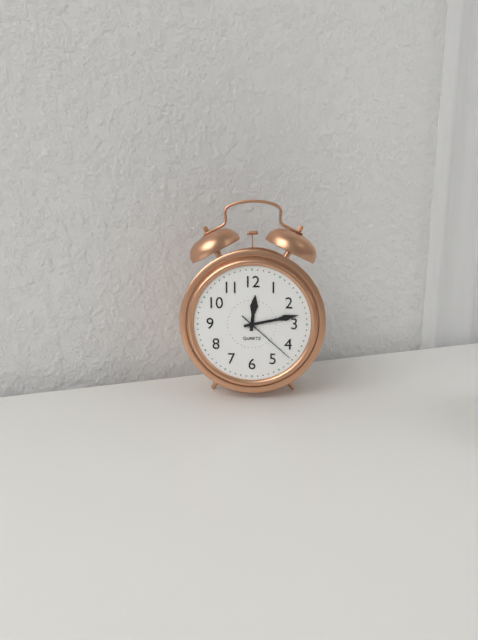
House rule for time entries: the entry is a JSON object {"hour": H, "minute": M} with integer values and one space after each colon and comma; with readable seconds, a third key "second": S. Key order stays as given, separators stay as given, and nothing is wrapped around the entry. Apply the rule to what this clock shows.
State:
{"hour": 12, "minute": 13, "second": 22}
